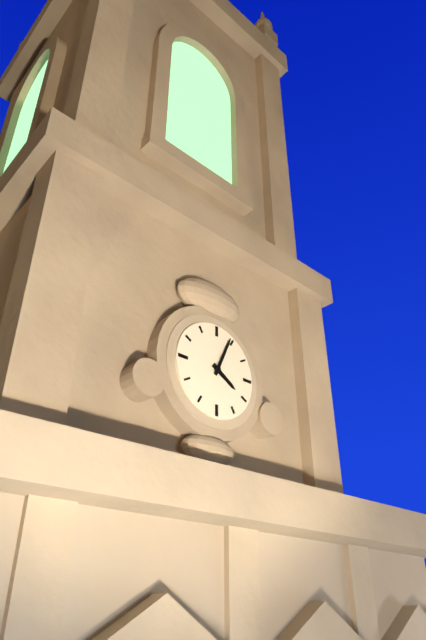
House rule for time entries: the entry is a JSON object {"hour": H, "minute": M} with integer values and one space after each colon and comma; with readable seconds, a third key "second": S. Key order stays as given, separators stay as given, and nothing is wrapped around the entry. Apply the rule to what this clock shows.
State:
{"hour": 4, "minute": 4}
